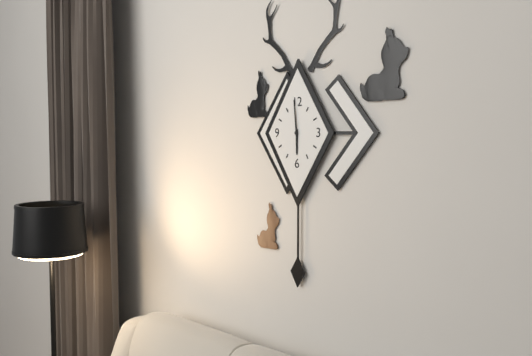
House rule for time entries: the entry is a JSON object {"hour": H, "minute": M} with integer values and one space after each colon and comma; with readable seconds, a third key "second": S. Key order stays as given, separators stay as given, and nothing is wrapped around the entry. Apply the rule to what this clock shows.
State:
{"hour": 5, "minute": 59}
